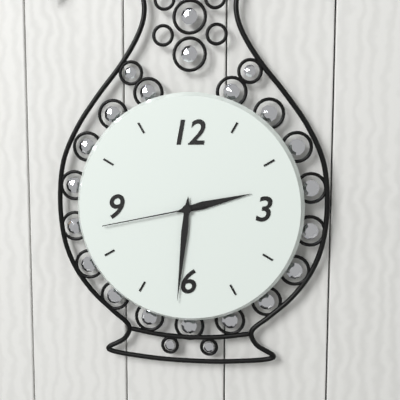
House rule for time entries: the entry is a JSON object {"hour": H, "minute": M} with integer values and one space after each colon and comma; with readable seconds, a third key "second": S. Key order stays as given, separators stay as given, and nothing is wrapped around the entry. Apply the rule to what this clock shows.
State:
{"hour": 2, "minute": 31, "second": 43}
